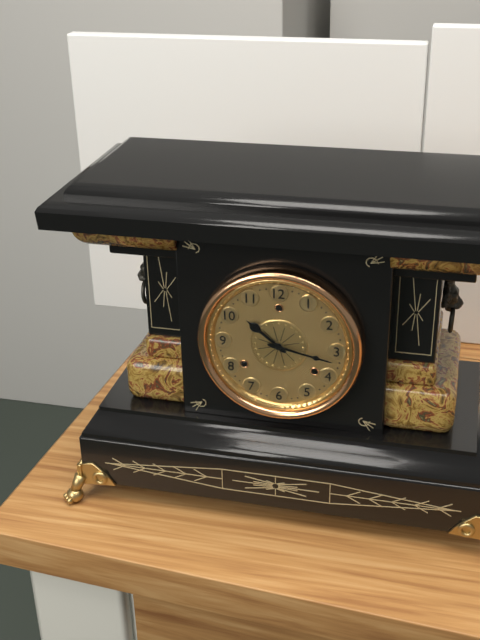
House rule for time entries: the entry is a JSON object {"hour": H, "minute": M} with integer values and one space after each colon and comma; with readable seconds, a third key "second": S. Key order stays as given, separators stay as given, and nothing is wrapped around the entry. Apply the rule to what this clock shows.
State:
{"hour": 10, "minute": 17}
